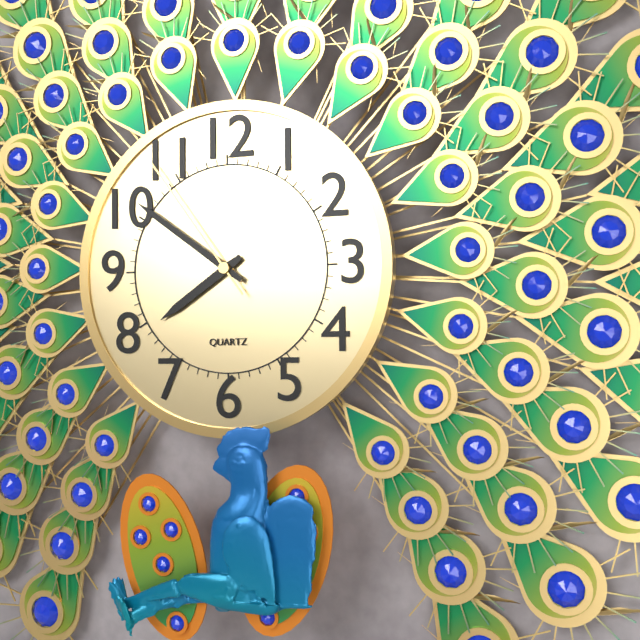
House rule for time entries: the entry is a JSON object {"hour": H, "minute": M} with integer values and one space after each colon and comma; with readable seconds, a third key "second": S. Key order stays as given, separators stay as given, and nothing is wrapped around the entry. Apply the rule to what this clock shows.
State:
{"hour": 7, "minute": 51, "second": 54}
